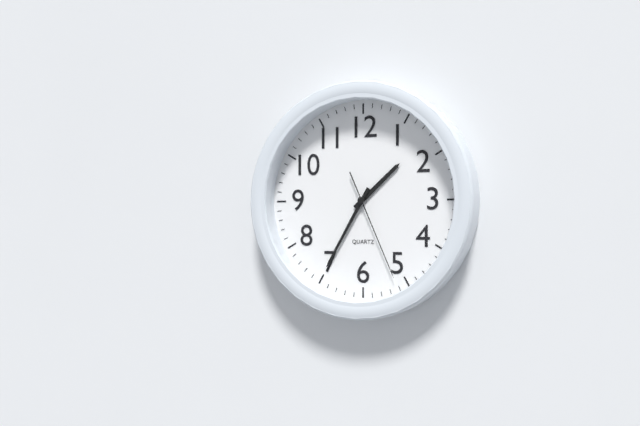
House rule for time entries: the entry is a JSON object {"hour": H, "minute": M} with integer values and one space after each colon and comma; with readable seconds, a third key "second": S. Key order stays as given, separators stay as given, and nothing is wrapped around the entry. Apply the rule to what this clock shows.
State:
{"hour": 1, "minute": 35, "second": 26}
